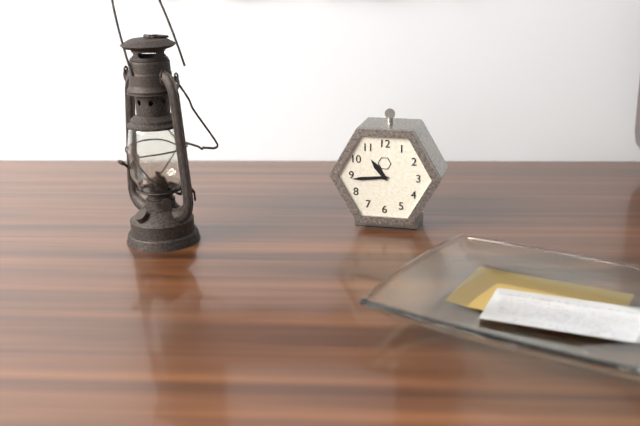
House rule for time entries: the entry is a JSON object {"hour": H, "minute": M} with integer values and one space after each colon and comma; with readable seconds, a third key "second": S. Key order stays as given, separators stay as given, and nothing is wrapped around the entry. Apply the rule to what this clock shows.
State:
{"hour": 10, "minute": 44}
